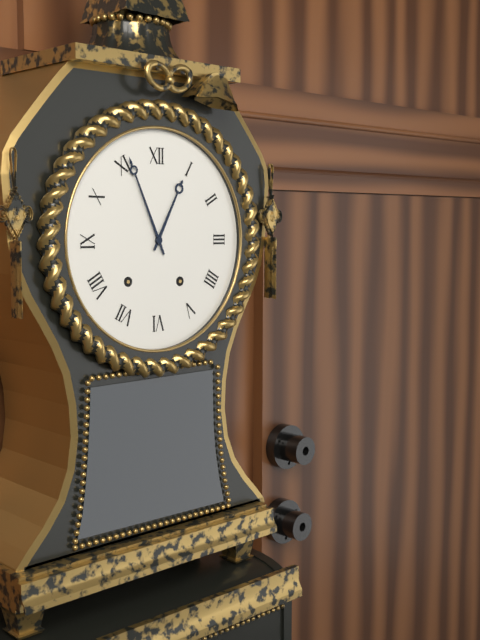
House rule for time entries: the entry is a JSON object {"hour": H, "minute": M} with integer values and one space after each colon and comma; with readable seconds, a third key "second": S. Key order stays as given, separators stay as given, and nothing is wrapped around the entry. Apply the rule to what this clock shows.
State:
{"hour": 12, "minute": 56}
